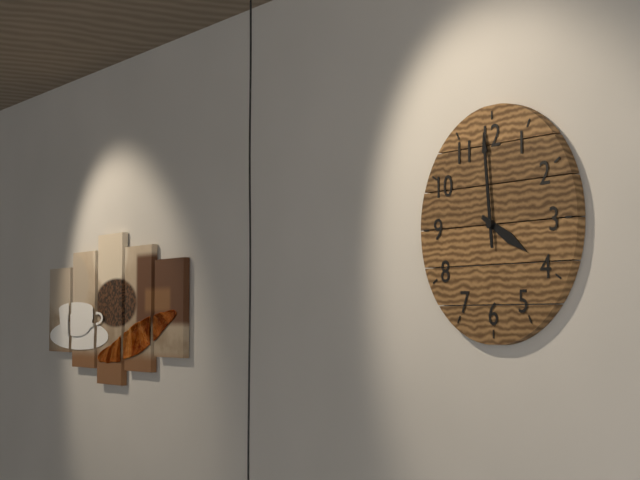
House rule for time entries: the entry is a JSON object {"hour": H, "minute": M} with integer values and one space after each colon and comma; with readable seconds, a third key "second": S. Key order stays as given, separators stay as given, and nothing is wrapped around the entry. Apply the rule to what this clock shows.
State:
{"hour": 3, "minute": 59}
